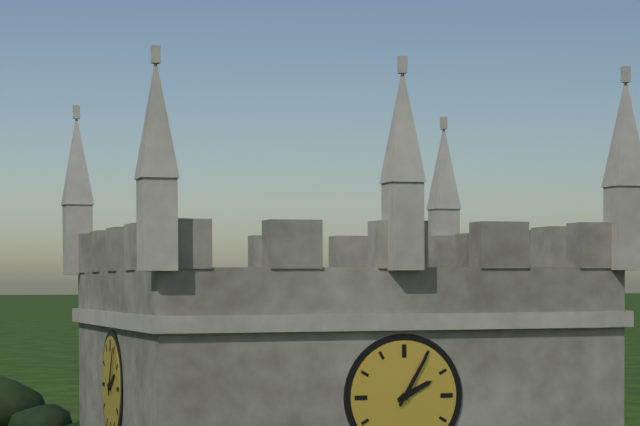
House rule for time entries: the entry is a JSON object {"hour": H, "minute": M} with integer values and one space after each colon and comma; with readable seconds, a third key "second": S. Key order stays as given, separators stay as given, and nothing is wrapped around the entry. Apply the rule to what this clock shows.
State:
{"hour": 2, "minute": 5}
